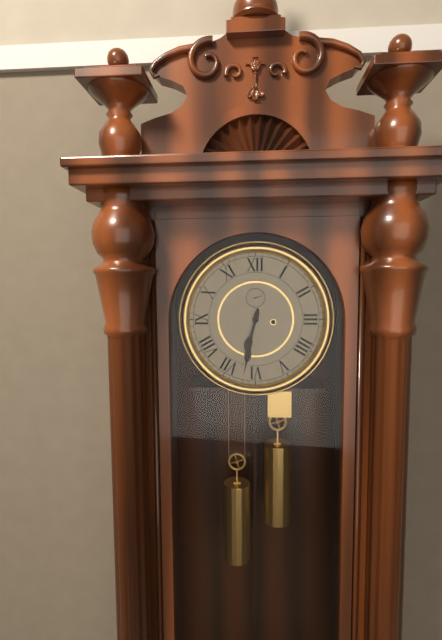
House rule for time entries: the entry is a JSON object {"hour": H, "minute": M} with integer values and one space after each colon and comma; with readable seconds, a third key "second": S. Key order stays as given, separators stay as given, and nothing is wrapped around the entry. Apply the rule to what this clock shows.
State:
{"hour": 6, "minute": 32}
